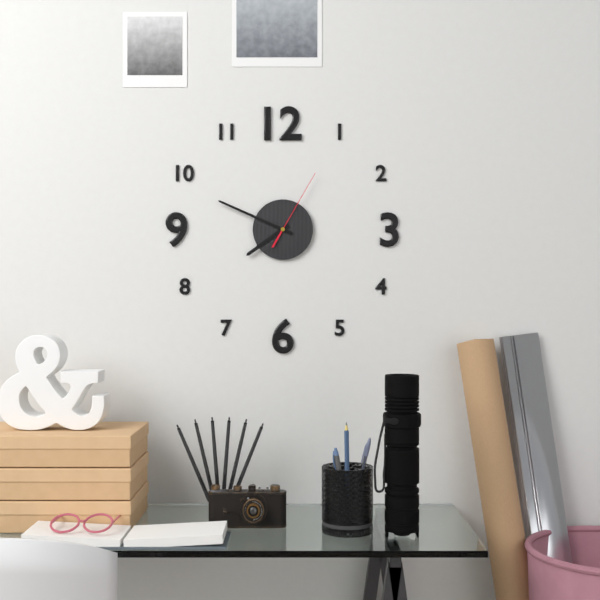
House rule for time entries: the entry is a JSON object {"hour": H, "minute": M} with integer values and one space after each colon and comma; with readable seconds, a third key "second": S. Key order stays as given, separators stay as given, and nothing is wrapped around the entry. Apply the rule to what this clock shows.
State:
{"hour": 7, "minute": 49, "second": 5}
